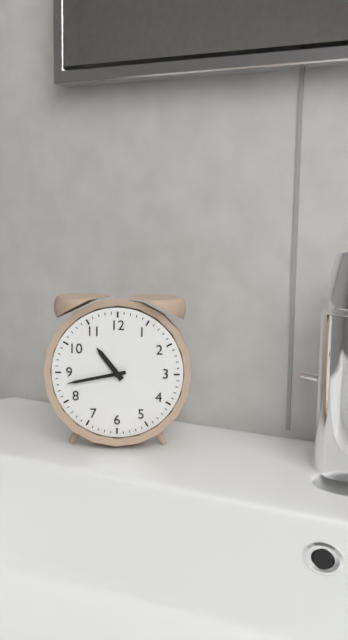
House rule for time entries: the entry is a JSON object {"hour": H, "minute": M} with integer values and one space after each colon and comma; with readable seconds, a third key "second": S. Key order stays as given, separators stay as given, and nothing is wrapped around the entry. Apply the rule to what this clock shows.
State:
{"hour": 10, "minute": 43}
